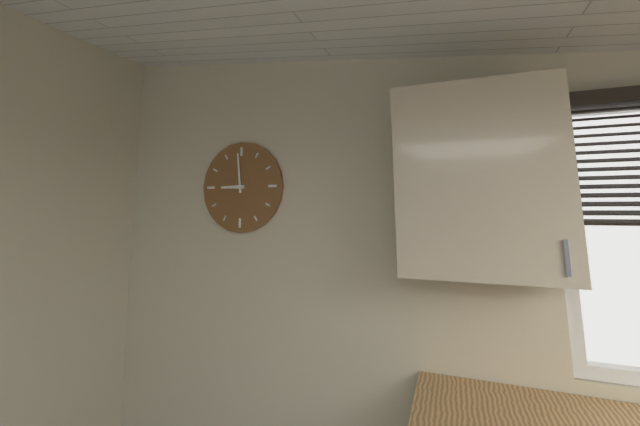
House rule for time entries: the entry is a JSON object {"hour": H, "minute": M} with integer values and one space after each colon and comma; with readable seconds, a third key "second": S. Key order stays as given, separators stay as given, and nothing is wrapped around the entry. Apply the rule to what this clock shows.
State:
{"hour": 8, "minute": 59}
